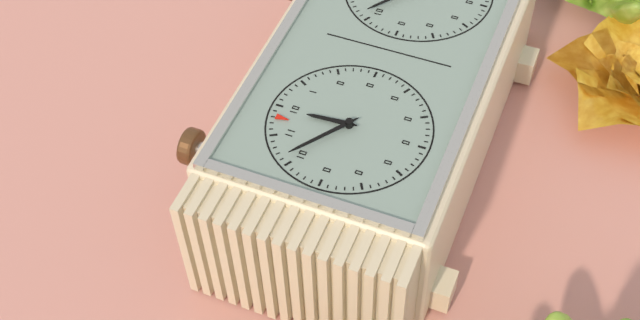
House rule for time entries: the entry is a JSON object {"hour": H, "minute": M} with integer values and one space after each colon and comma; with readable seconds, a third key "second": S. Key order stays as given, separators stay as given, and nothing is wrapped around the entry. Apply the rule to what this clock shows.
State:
{"hour": 11, "minute": 51}
